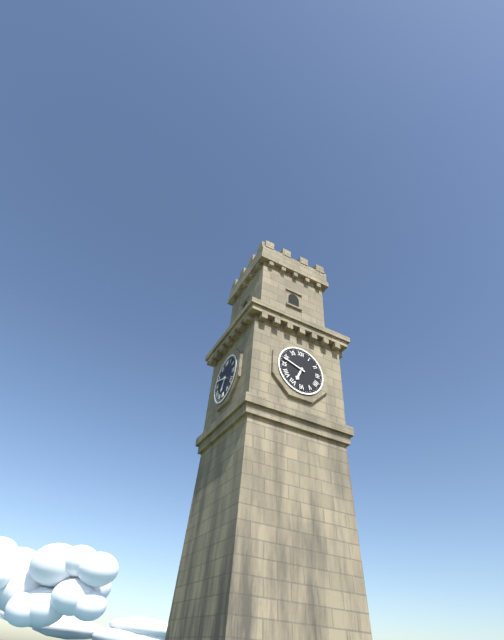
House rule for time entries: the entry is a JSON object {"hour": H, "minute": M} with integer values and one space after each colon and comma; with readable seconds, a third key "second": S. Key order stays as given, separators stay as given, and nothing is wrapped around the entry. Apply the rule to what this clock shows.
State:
{"hour": 6, "minute": 48}
